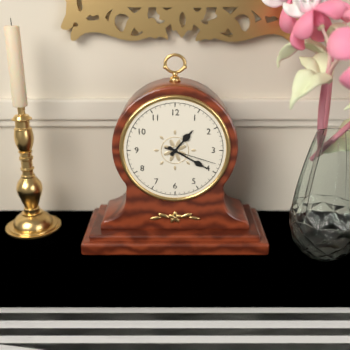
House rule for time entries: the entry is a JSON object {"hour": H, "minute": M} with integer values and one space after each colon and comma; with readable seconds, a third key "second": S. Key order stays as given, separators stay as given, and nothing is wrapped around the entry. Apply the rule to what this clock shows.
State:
{"hour": 1, "minute": 20, "second": 18}
